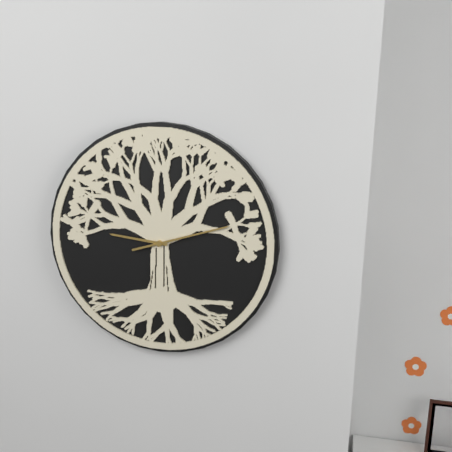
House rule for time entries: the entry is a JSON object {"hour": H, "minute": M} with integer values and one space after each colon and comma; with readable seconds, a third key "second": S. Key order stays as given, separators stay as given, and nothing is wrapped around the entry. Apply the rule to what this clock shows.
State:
{"hour": 9, "minute": 12}
